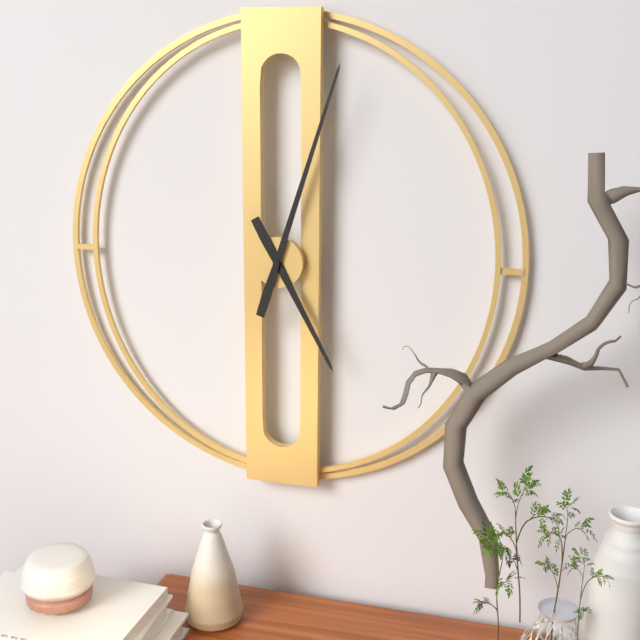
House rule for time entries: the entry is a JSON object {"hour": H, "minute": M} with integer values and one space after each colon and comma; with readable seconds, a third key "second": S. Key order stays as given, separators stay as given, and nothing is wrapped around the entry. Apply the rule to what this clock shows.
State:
{"hour": 5, "minute": 3}
